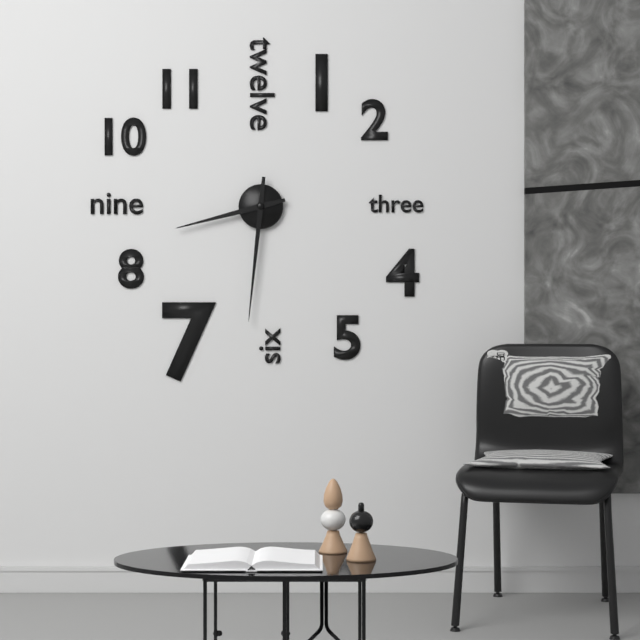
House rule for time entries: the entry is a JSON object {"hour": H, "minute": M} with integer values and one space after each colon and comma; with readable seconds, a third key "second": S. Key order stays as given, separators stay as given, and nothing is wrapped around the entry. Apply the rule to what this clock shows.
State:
{"hour": 8, "minute": 31}
